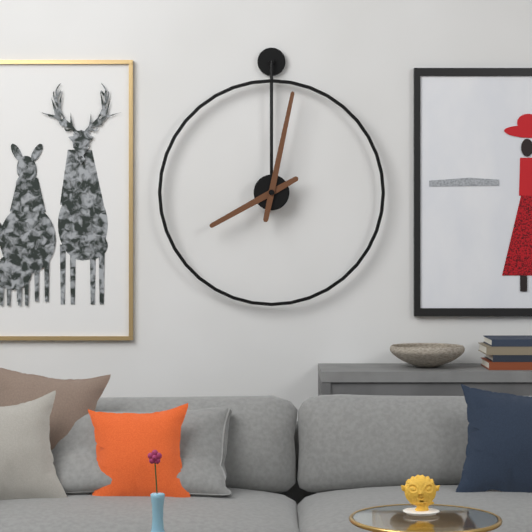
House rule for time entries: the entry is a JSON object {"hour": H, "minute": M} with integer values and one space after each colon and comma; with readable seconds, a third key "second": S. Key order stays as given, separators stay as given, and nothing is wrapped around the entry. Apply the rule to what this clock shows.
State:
{"hour": 8, "minute": 2}
